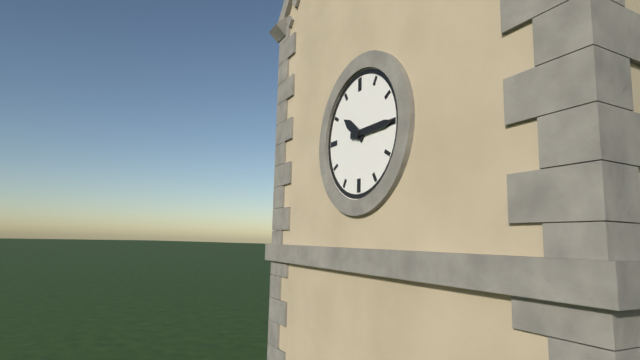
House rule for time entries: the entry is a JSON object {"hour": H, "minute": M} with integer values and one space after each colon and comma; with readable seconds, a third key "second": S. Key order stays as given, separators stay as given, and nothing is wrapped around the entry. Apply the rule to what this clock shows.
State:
{"hour": 10, "minute": 15}
